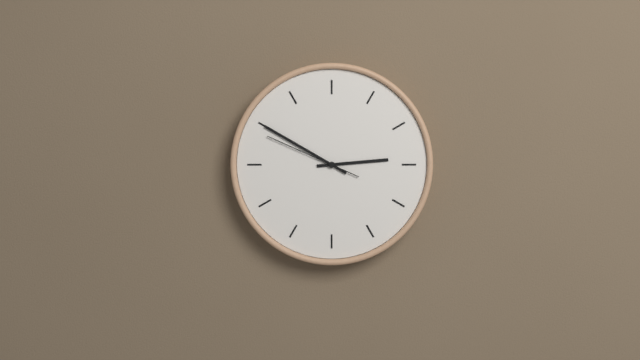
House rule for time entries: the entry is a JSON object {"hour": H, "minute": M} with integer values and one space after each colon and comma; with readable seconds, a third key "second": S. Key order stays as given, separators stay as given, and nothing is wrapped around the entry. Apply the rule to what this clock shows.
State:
{"hour": 2, "minute": 50, "second": 49}
